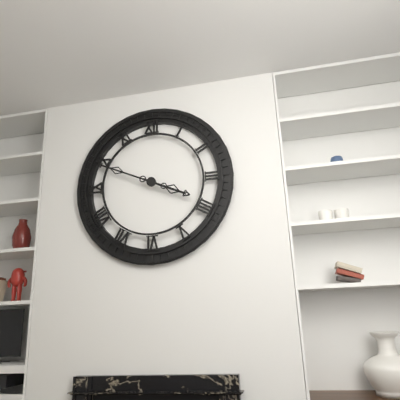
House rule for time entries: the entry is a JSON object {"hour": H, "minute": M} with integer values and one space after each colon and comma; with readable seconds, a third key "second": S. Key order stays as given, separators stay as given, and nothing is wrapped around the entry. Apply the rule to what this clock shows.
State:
{"hour": 3, "minute": 49}
